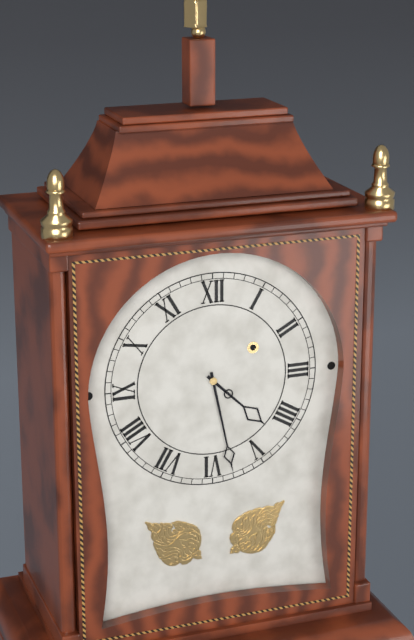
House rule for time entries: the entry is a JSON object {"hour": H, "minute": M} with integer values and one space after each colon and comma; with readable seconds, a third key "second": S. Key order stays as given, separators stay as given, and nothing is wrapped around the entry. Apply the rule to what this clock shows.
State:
{"hour": 4, "minute": 28}
